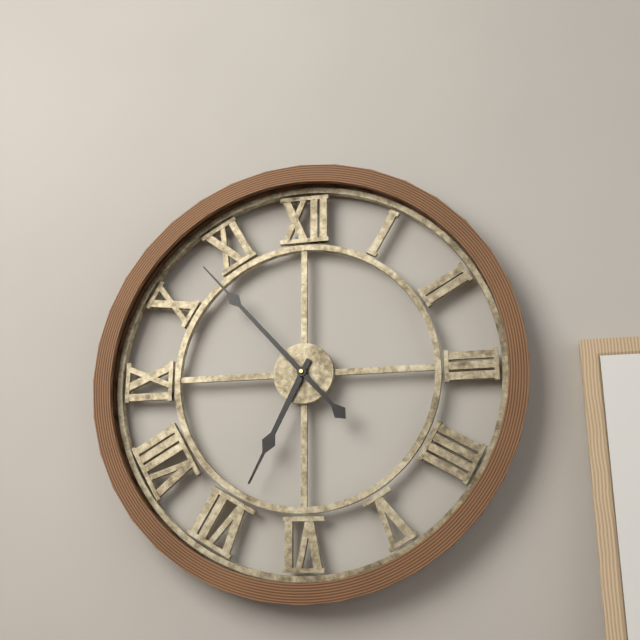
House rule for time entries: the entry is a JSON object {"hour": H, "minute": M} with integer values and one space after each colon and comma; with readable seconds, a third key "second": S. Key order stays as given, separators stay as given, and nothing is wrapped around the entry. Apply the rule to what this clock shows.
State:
{"hour": 6, "minute": 53}
